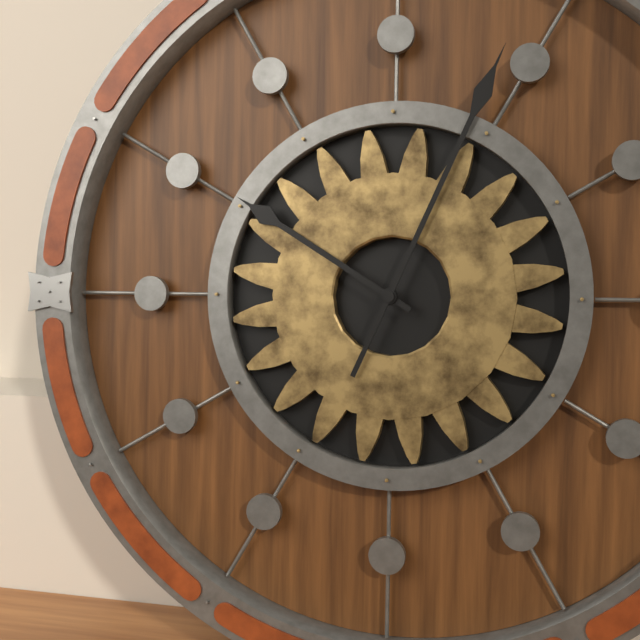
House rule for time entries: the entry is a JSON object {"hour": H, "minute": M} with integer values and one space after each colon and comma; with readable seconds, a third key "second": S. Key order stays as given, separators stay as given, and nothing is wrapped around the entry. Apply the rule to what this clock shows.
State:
{"hour": 10, "minute": 4}
